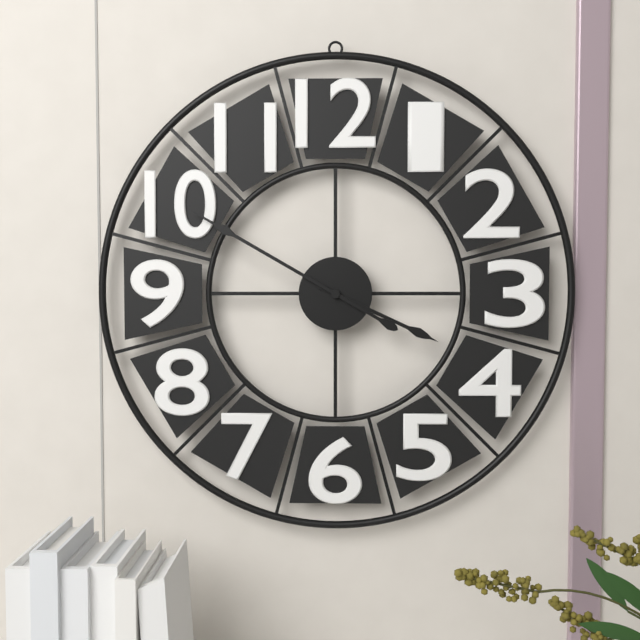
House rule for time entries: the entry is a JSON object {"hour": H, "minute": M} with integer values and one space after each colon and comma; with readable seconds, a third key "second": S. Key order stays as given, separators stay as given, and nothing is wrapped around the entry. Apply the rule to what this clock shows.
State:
{"hour": 3, "minute": 50}
